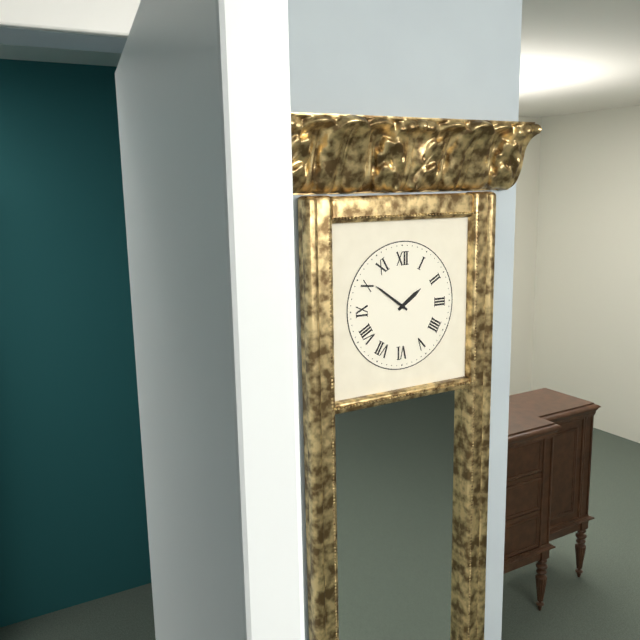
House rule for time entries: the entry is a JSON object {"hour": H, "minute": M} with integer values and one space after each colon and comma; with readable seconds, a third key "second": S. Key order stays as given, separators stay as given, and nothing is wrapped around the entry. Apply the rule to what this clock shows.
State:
{"hour": 1, "minute": 51}
